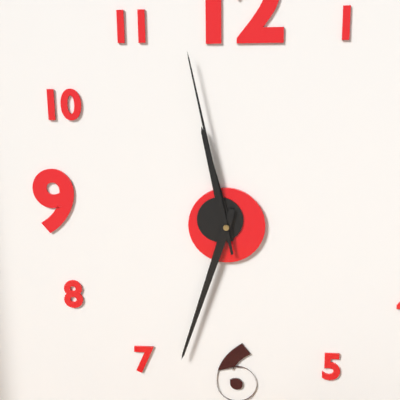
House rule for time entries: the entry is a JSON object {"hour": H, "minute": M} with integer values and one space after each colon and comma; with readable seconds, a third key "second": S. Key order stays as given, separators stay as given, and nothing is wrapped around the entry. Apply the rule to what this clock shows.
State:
{"hour": 11, "minute": 33, "second": 58}
